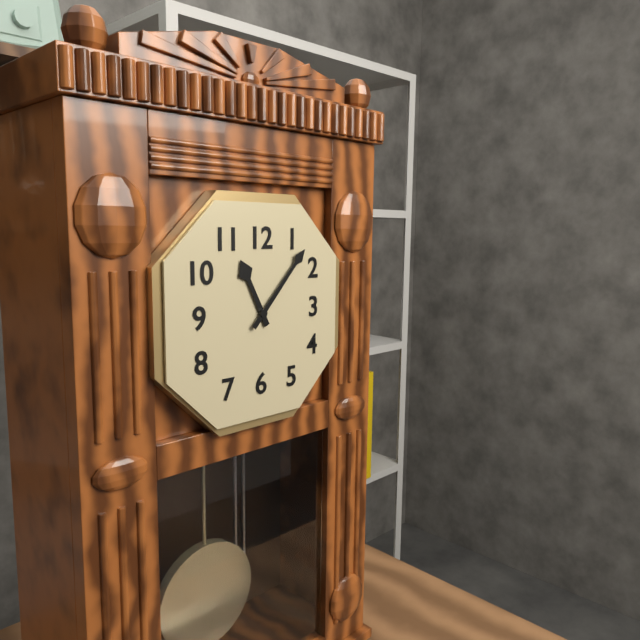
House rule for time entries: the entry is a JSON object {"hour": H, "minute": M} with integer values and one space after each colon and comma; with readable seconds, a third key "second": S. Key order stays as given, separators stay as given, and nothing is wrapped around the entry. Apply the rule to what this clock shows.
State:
{"hour": 11, "minute": 7}
